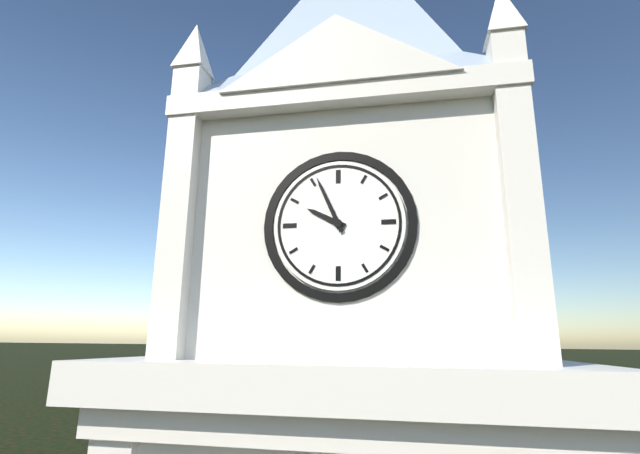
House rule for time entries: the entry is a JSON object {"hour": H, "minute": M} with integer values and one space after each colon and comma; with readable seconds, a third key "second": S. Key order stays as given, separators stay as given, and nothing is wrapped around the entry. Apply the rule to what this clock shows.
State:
{"hour": 9, "minute": 56}
